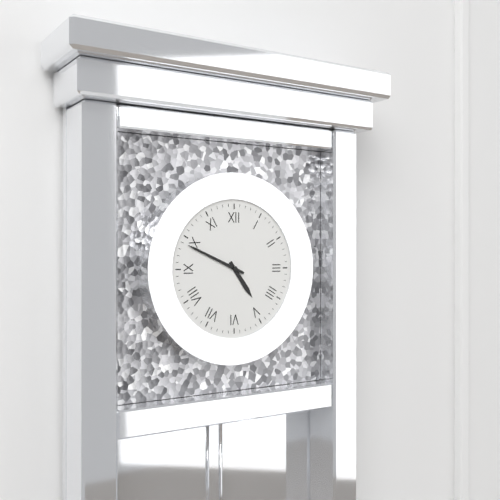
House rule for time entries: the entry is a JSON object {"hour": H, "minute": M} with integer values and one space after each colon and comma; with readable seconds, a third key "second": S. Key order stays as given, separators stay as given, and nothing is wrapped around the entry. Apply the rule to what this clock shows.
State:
{"hour": 4, "minute": 49}
